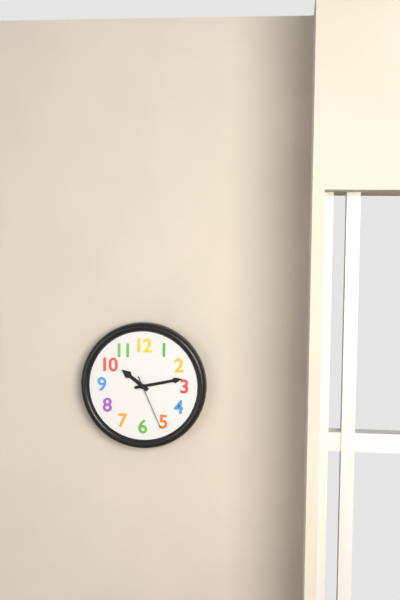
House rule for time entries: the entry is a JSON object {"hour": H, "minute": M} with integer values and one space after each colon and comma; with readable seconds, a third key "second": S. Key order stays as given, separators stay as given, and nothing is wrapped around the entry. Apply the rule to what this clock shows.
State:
{"hour": 10, "minute": 13, "second": 26}
